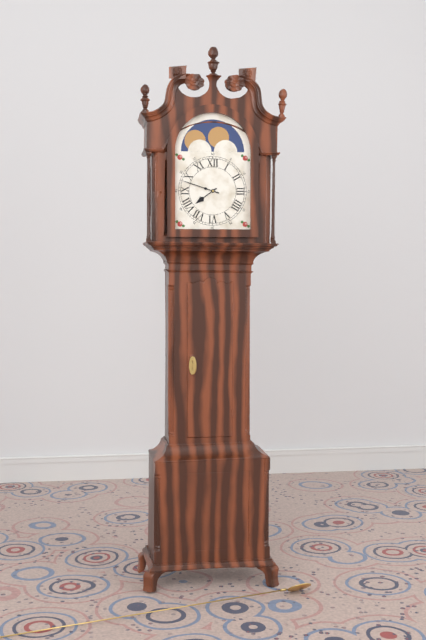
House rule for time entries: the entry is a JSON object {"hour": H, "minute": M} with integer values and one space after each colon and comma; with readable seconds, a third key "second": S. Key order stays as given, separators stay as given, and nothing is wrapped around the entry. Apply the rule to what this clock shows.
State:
{"hour": 7, "minute": 48}
